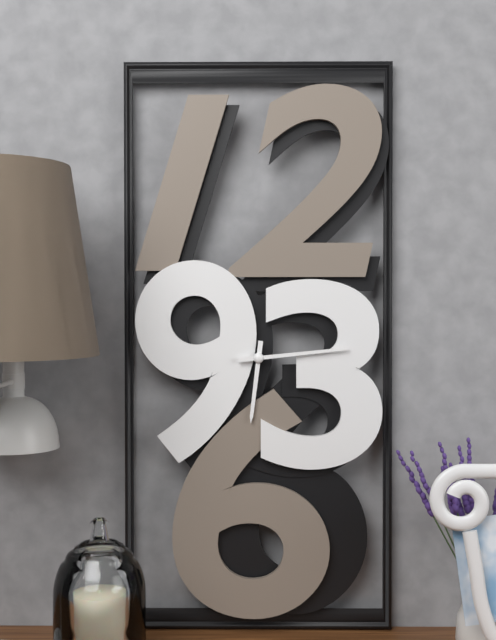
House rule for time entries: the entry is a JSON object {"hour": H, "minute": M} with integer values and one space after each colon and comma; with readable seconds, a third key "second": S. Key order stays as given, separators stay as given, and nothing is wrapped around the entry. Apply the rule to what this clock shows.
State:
{"hour": 6, "minute": 14}
